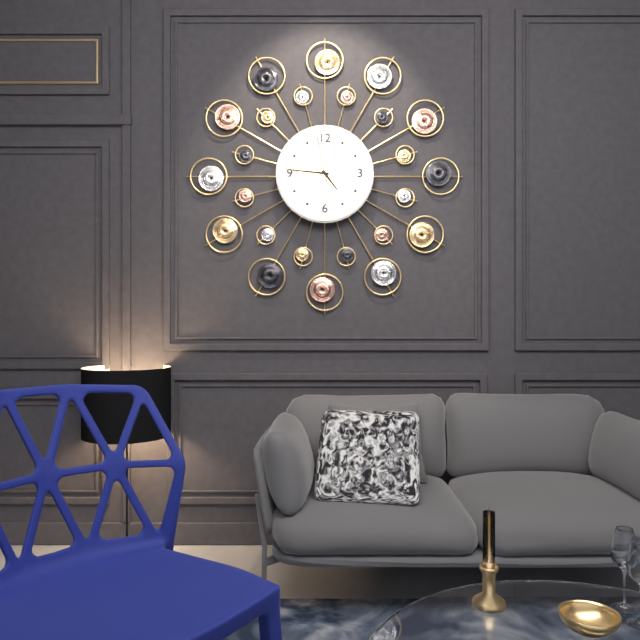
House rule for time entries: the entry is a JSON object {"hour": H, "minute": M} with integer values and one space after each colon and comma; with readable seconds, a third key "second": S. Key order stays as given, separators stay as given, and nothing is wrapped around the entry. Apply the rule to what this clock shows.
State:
{"hour": 4, "minute": 46, "second": 58}
